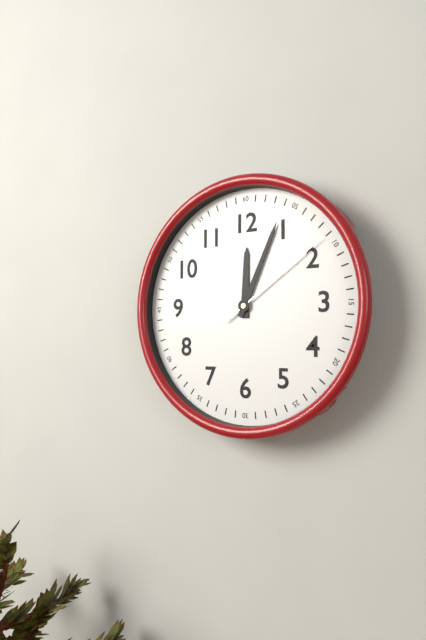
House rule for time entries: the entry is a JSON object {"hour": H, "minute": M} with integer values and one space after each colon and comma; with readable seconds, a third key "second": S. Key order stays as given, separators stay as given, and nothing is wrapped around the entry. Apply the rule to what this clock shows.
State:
{"hour": 12, "minute": 4, "second": 9}
